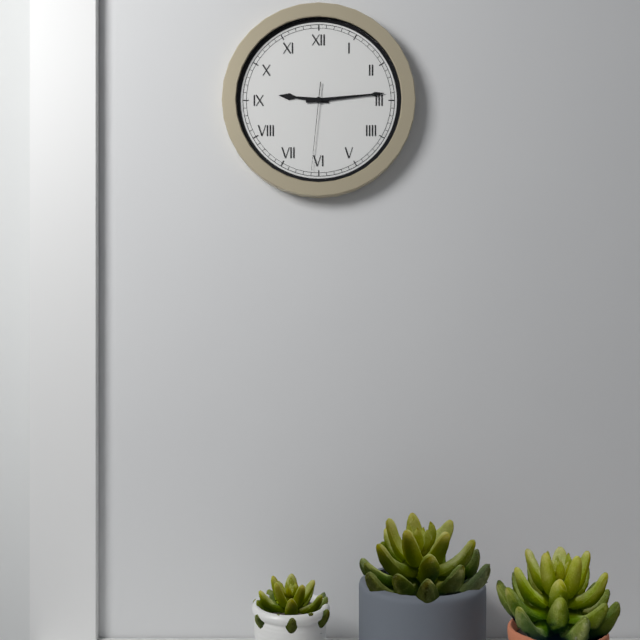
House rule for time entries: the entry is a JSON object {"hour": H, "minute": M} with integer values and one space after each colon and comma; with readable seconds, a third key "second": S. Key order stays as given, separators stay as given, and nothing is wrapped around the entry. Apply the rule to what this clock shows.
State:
{"hour": 9, "minute": 14, "second": 31}
